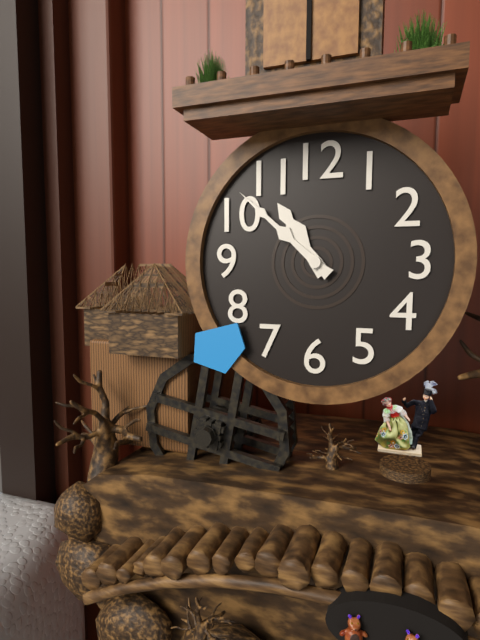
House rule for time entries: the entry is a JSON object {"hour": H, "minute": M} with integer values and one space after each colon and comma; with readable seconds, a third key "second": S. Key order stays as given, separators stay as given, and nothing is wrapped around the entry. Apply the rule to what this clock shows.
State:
{"hour": 10, "minute": 52}
